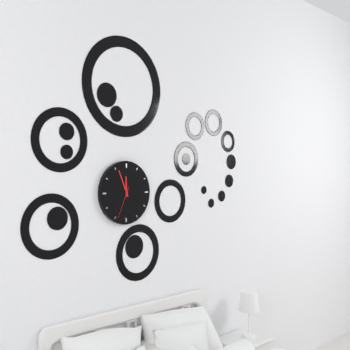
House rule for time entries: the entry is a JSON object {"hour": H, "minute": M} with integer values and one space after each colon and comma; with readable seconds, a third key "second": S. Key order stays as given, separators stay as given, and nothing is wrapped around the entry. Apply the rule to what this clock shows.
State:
{"hour": 11, "minute": 56}
